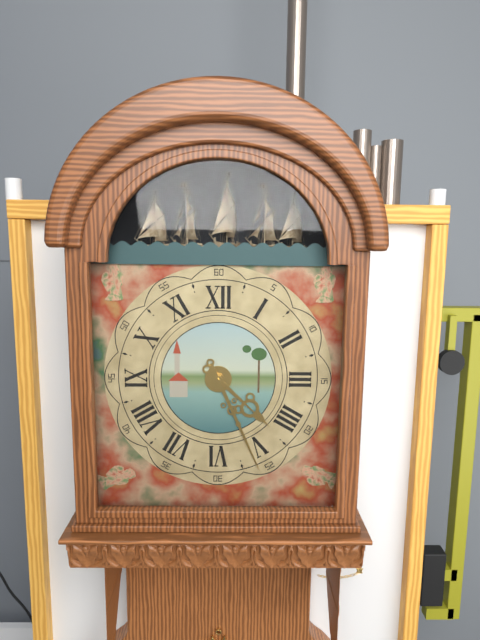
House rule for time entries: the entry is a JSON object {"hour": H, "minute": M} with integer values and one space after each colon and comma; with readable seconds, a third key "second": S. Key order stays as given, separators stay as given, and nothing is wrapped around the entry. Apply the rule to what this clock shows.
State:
{"hour": 4, "minute": 26}
